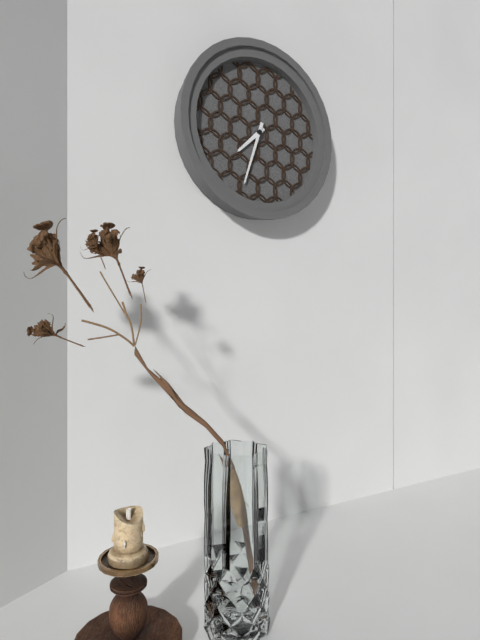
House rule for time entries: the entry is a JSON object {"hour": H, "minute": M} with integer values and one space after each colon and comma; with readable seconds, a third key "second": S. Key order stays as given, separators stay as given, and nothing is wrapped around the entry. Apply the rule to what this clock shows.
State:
{"hour": 7, "minute": 33}
